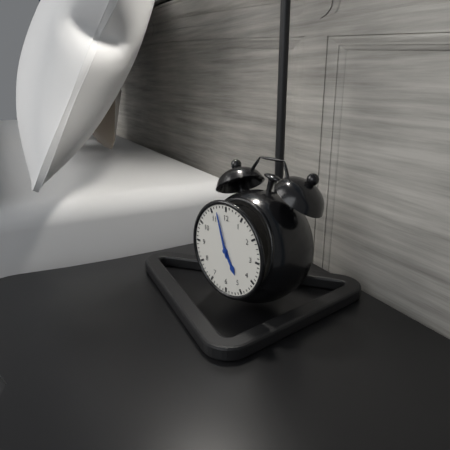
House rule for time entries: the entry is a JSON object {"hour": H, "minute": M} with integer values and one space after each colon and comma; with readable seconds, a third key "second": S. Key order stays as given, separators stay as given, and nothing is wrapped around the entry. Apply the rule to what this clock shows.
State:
{"hour": 4, "minute": 57}
